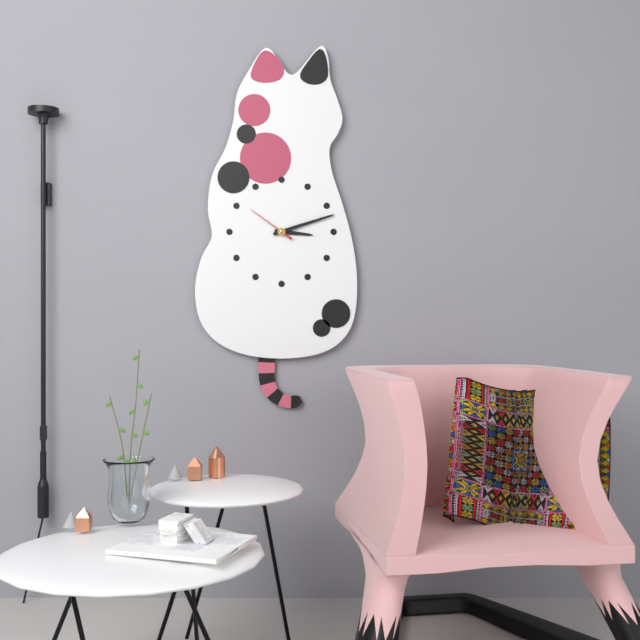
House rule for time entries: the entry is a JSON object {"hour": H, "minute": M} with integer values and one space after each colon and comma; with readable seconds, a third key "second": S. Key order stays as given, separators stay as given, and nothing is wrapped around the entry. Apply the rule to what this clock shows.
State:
{"hour": 3, "minute": 12}
